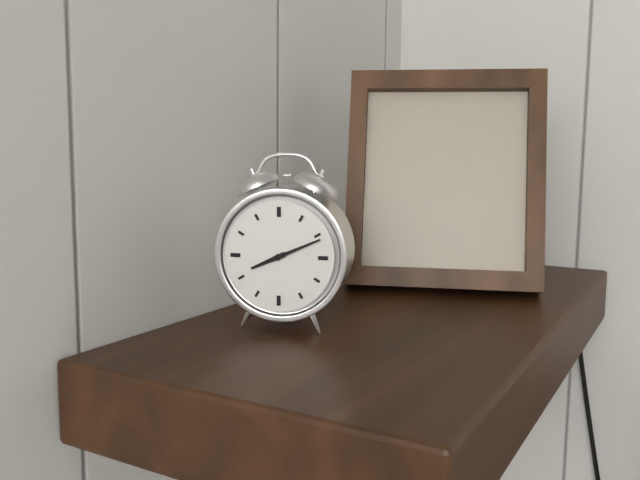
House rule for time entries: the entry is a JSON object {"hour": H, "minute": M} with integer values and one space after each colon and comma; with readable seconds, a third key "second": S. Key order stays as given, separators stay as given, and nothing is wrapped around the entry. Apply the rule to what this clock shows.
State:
{"hour": 8, "minute": 11}
